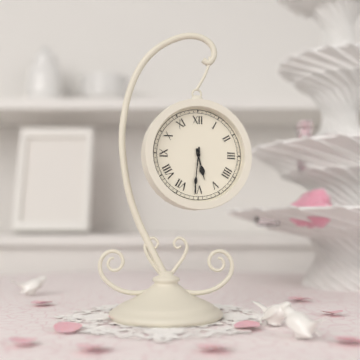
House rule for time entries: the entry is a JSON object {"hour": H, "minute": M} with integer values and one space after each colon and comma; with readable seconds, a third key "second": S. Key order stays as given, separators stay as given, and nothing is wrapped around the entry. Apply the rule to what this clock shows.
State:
{"hour": 5, "minute": 31}
